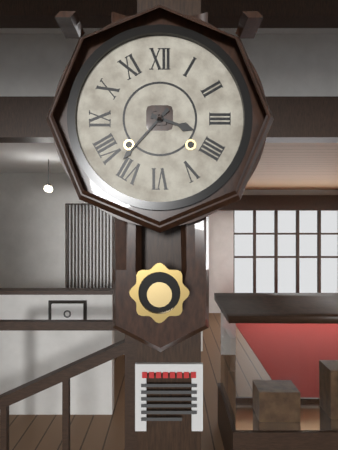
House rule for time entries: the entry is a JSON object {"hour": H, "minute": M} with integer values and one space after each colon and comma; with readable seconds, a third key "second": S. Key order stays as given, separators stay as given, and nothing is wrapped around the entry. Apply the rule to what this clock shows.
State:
{"hour": 3, "minute": 37}
